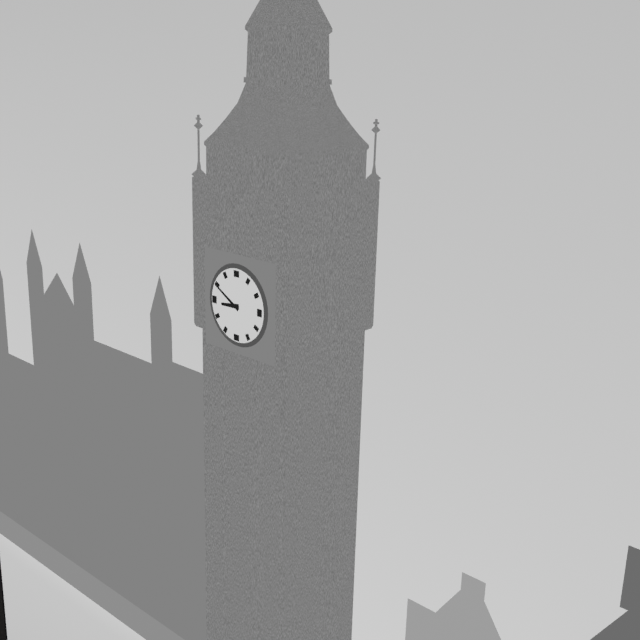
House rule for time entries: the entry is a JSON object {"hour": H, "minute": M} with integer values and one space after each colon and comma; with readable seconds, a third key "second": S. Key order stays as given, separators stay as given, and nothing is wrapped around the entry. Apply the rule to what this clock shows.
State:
{"hour": 8, "minute": 50}
